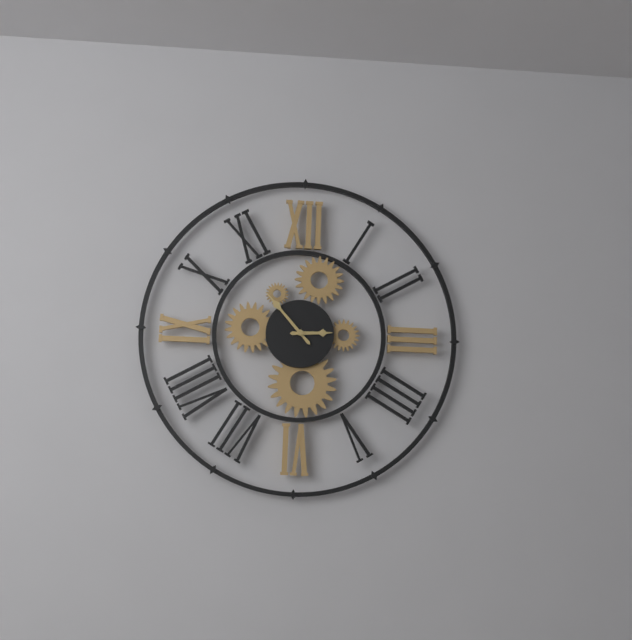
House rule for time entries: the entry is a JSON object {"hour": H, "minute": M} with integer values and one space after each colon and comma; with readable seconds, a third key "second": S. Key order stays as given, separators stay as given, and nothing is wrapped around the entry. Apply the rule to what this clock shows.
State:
{"hour": 2, "minute": 53}
